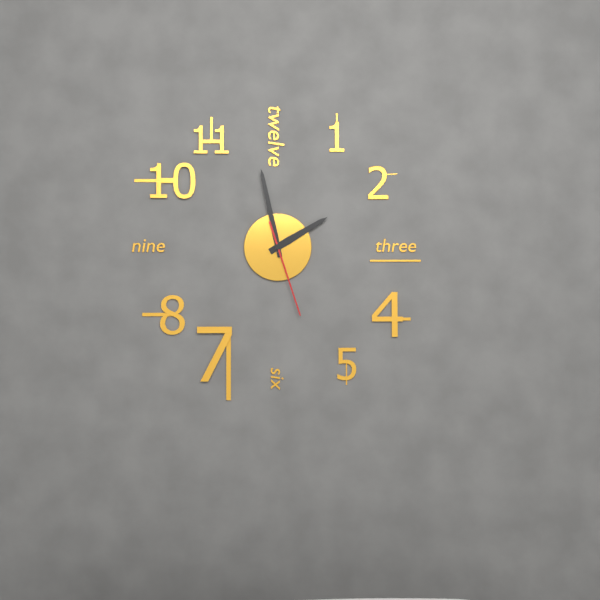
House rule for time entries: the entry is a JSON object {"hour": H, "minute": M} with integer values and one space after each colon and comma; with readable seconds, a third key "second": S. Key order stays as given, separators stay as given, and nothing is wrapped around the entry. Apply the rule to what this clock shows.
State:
{"hour": 1, "minute": 58, "second": 27}
